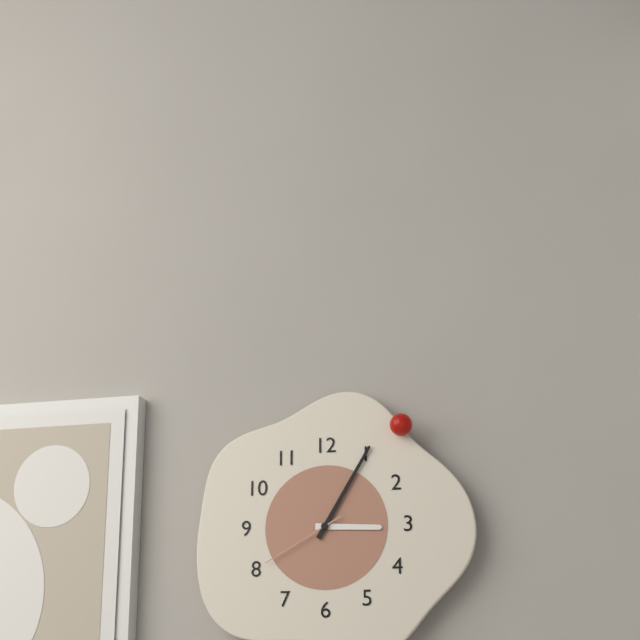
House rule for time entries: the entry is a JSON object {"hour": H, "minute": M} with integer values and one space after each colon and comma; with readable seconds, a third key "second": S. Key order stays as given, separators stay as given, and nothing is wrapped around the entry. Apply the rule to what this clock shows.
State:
{"hour": 3, "minute": 5, "second": 40}
